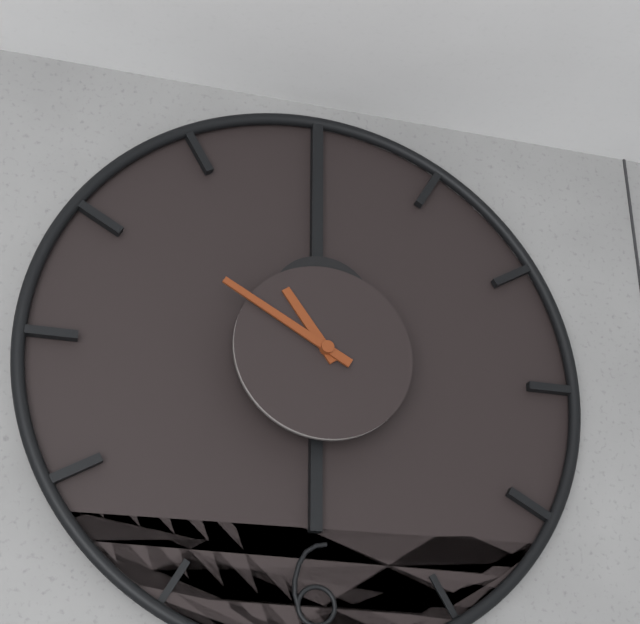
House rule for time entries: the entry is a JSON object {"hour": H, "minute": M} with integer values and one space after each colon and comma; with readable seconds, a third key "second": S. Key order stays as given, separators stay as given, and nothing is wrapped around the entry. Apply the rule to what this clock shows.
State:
{"hour": 10, "minute": 50}
